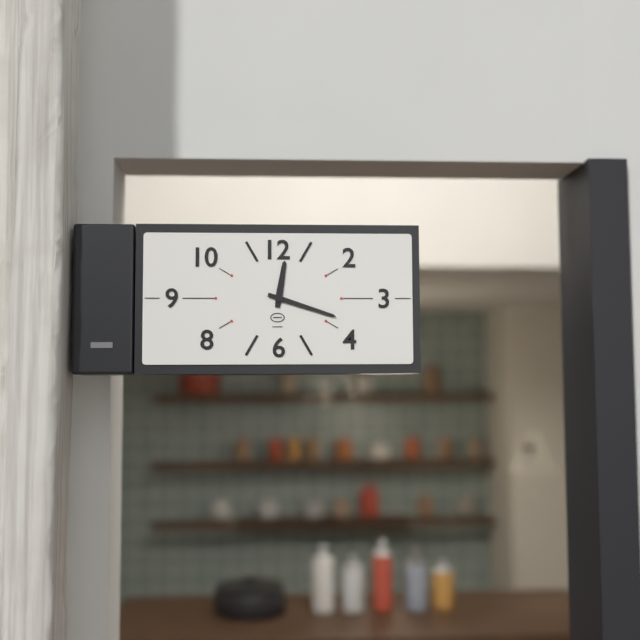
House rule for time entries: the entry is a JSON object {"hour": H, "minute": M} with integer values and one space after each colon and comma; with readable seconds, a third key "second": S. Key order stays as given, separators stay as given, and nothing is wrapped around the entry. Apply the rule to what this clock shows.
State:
{"hour": 12, "minute": 18}
